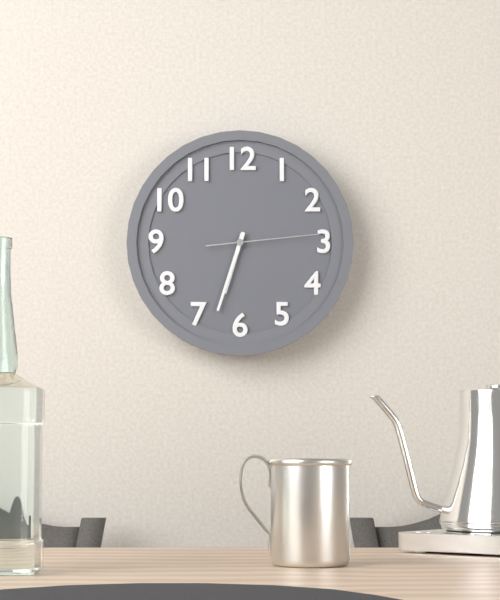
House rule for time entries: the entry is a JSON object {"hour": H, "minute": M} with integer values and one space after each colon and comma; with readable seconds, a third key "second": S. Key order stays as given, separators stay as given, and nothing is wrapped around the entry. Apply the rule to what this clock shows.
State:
{"hour": 6, "minute": 33, "second": 14}
